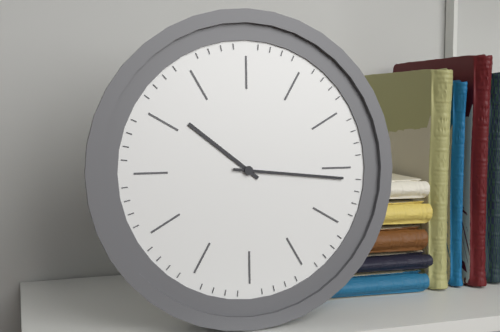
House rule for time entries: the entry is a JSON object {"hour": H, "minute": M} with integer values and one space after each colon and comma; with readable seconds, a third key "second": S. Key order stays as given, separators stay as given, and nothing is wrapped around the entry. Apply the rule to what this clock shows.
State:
{"hour": 10, "minute": 16}
